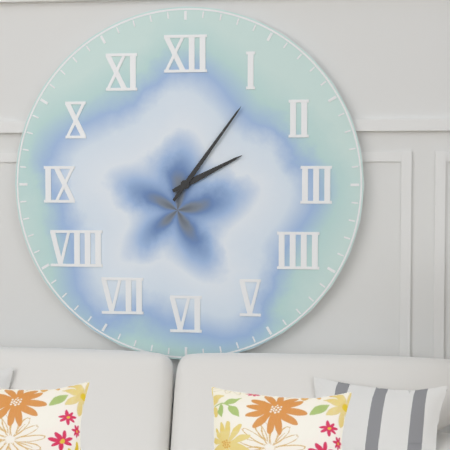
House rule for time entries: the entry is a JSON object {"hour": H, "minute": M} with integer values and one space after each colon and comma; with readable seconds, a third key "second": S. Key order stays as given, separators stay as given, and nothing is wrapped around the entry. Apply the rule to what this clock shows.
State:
{"hour": 2, "minute": 6}
